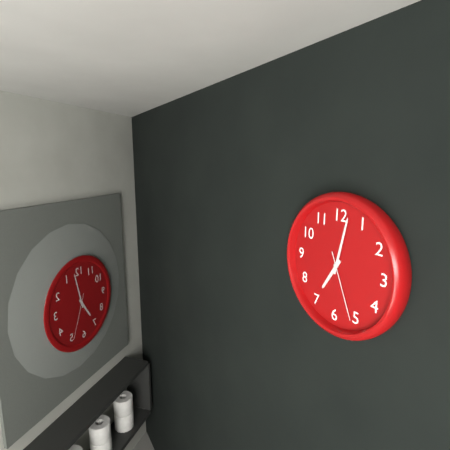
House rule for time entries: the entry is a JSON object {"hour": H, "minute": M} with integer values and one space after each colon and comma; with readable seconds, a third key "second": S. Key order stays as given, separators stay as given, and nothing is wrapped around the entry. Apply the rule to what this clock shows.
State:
{"hour": 7, "minute": 2, "second": 26}
